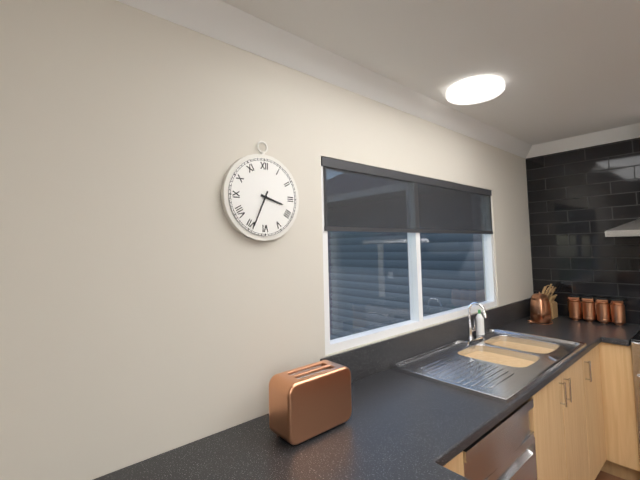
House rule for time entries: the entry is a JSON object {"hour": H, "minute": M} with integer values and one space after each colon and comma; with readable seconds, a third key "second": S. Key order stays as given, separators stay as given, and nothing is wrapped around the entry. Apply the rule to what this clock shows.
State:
{"hour": 3, "minute": 34}
